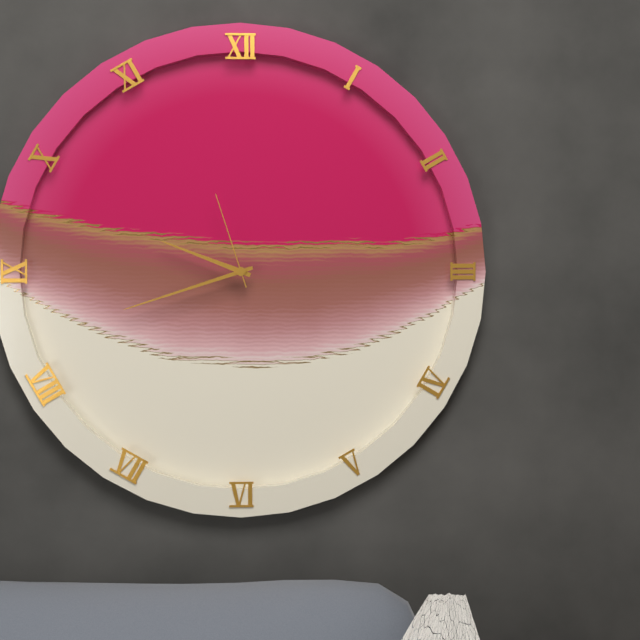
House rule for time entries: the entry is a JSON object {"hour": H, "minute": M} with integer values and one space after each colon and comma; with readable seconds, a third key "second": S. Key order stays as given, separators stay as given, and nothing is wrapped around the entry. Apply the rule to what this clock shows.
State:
{"hour": 9, "minute": 42, "second": 57}
